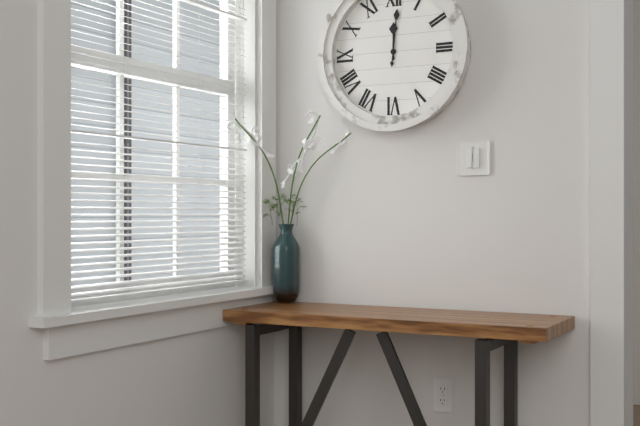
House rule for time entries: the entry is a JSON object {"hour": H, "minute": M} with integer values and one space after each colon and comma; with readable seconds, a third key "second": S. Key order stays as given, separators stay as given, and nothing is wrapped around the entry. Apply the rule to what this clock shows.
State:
{"hour": 12, "minute": 1}
